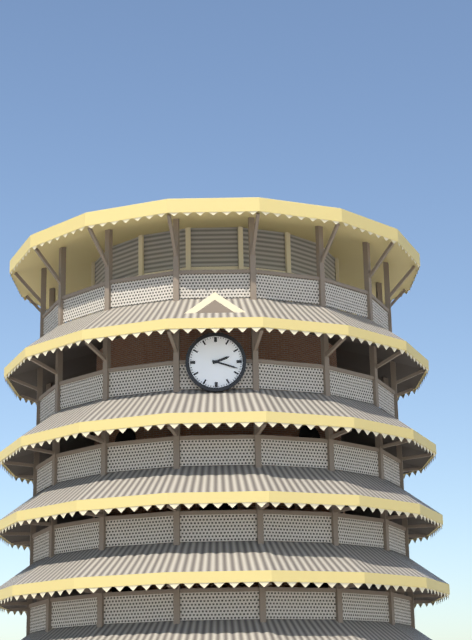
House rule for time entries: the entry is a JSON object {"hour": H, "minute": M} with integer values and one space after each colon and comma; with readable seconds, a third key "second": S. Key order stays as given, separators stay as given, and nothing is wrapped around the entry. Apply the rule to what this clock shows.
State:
{"hour": 2, "minute": 18}
